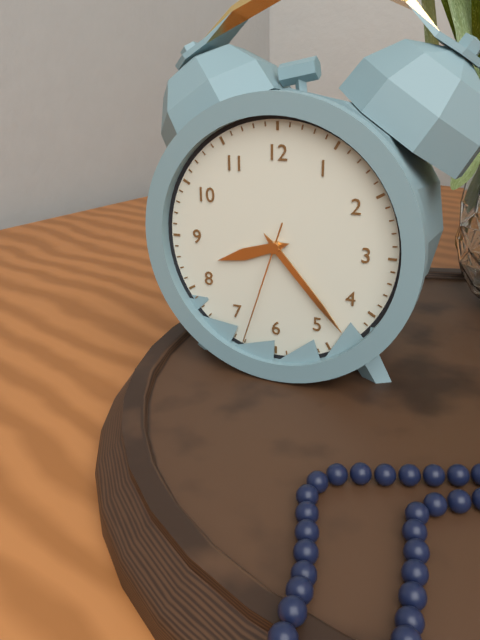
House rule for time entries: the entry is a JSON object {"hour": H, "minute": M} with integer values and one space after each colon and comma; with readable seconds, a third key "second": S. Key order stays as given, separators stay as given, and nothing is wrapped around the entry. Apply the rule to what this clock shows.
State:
{"hour": 8, "minute": 23, "second": 33}
